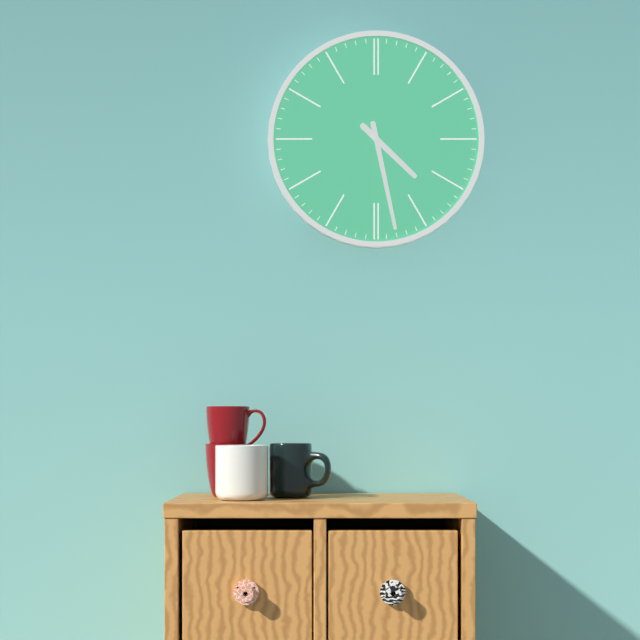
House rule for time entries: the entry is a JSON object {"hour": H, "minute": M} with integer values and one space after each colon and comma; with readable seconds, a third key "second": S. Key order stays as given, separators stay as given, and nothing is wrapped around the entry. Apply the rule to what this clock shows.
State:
{"hour": 4, "minute": 28}
